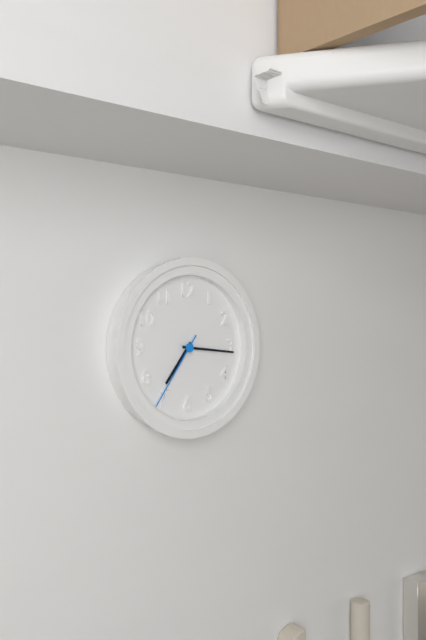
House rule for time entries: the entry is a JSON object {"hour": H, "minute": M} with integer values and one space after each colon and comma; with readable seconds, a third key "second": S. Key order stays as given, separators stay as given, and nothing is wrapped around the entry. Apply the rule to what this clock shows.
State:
{"hour": 7, "minute": 16, "second": 36}
